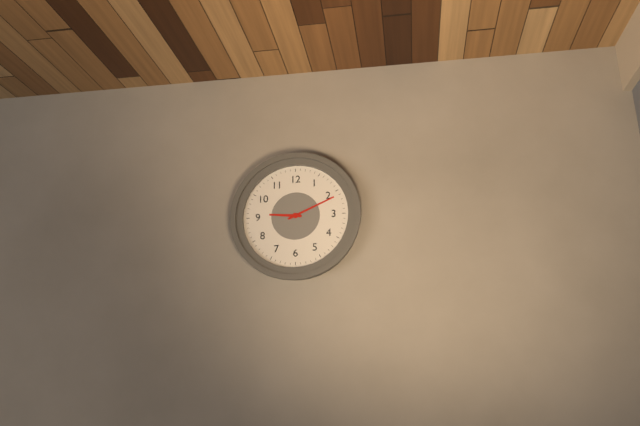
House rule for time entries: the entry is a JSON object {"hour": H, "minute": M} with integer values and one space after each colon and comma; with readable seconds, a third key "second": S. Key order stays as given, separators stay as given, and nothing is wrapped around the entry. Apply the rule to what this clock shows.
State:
{"hour": 9, "minute": 11}
